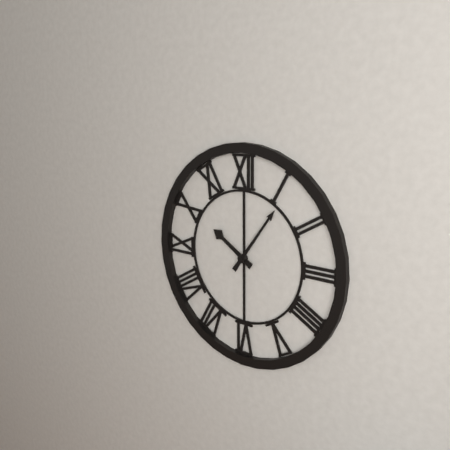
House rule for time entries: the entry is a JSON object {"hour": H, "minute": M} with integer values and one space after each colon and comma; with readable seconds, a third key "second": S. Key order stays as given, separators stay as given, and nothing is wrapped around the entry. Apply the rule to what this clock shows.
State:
{"hour": 10, "minute": 6}
